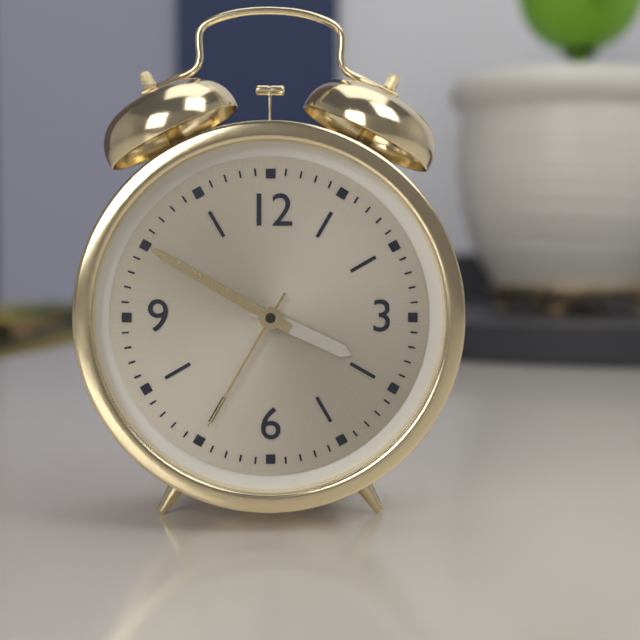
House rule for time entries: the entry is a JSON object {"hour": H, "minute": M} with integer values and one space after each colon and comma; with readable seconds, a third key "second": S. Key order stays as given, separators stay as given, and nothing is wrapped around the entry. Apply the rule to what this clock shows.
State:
{"hour": 3, "minute": 50, "second": 35}
